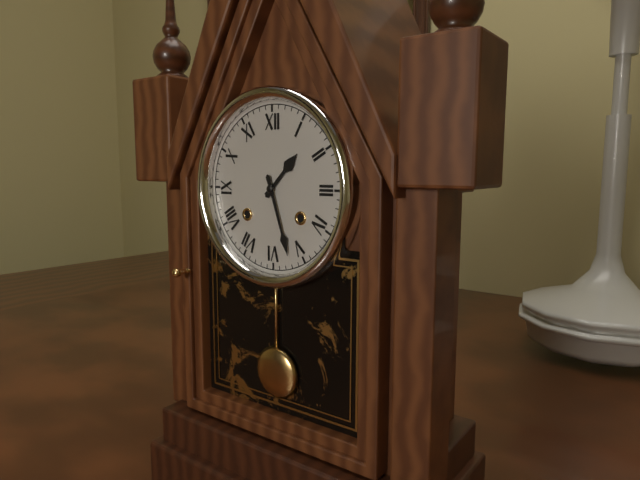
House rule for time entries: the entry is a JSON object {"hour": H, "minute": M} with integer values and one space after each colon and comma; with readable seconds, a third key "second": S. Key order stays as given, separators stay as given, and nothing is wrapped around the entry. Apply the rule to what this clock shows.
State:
{"hour": 1, "minute": 27}
